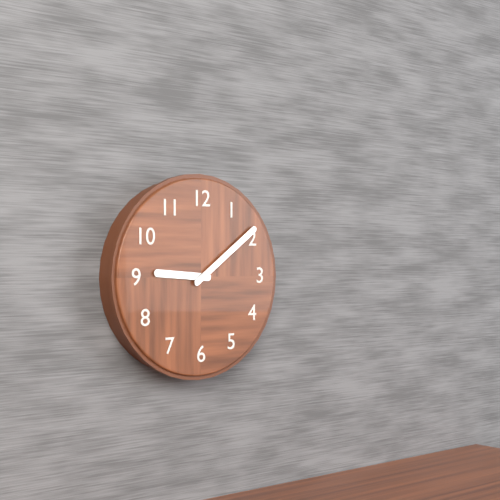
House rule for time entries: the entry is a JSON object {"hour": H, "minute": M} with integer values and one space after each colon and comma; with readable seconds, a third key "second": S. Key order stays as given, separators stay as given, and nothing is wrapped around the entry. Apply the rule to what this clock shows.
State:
{"hour": 9, "minute": 9}
